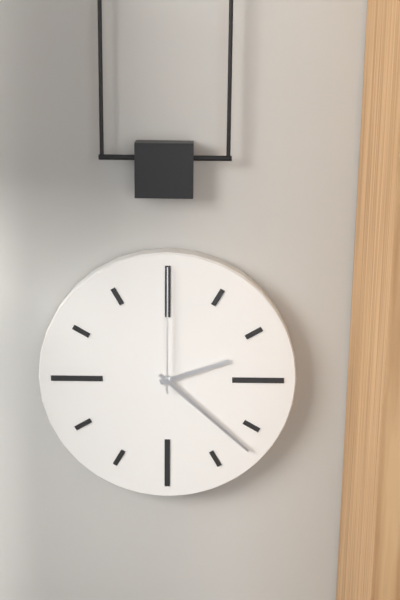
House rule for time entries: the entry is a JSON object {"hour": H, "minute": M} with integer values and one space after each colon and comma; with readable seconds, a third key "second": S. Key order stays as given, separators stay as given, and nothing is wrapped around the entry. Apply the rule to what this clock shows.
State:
{"hour": 2, "minute": 22, "second": 0}
